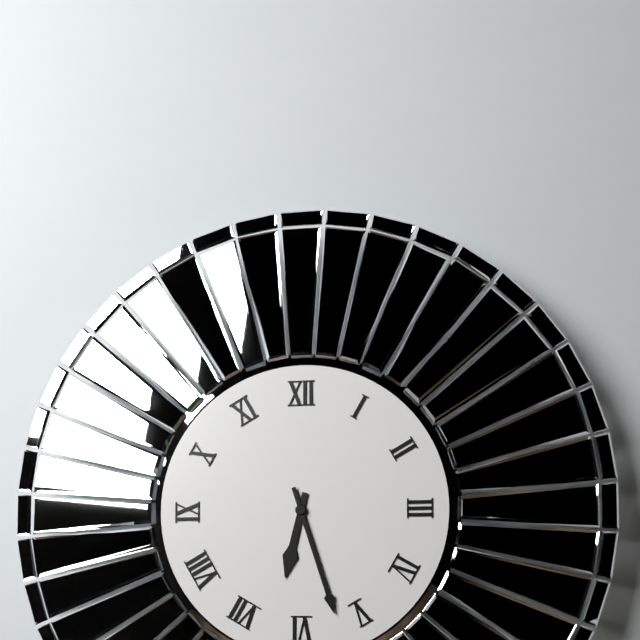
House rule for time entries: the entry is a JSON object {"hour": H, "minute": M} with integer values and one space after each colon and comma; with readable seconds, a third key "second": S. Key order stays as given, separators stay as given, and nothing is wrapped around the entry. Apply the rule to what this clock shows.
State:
{"hour": 6, "minute": 27}
